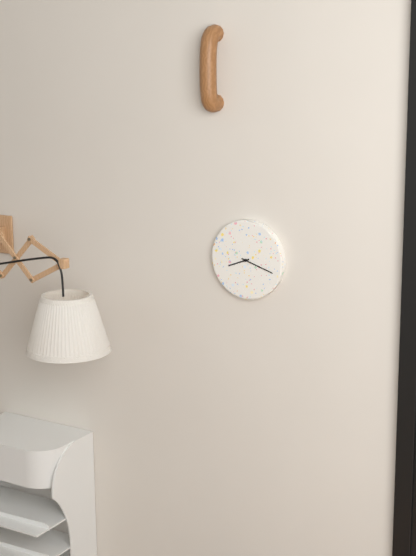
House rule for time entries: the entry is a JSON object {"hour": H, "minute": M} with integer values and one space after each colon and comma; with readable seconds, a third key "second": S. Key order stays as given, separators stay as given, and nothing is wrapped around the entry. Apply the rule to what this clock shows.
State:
{"hour": 8, "minute": 18}
